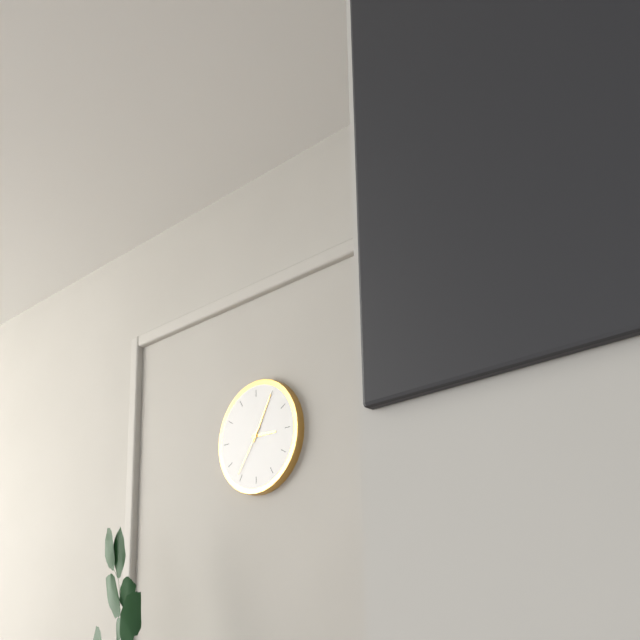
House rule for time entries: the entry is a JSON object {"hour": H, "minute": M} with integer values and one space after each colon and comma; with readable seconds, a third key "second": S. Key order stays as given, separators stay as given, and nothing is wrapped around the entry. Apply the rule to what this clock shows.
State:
{"hour": 3, "minute": 5, "second": 36}
